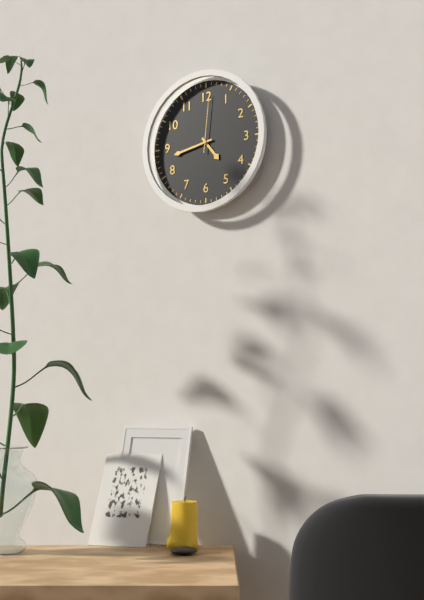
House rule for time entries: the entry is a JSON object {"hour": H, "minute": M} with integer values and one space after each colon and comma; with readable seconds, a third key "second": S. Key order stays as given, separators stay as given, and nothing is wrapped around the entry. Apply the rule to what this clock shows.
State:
{"hour": 4, "minute": 43, "second": 1}
